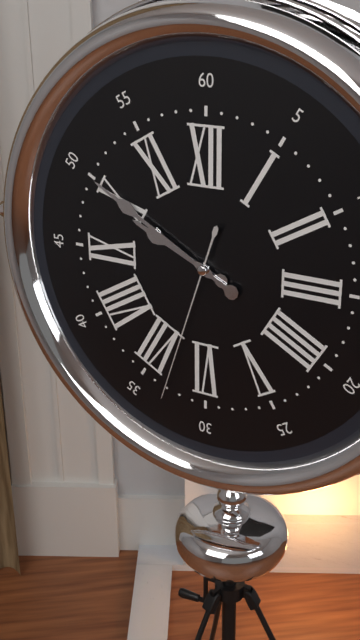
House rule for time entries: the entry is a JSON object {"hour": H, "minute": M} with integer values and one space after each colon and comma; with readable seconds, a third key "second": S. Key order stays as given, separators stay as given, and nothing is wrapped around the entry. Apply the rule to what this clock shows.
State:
{"hour": 9, "minute": 50, "second": 33}
